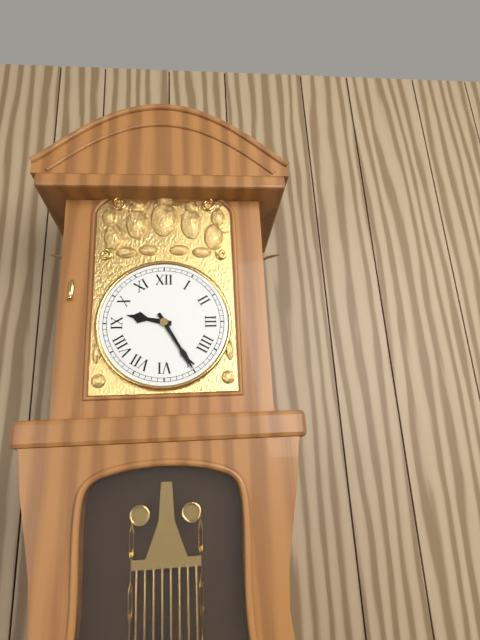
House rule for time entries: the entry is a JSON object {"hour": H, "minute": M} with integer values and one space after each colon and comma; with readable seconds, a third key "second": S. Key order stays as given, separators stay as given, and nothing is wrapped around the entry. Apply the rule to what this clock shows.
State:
{"hour": 9, "minute": 25}
